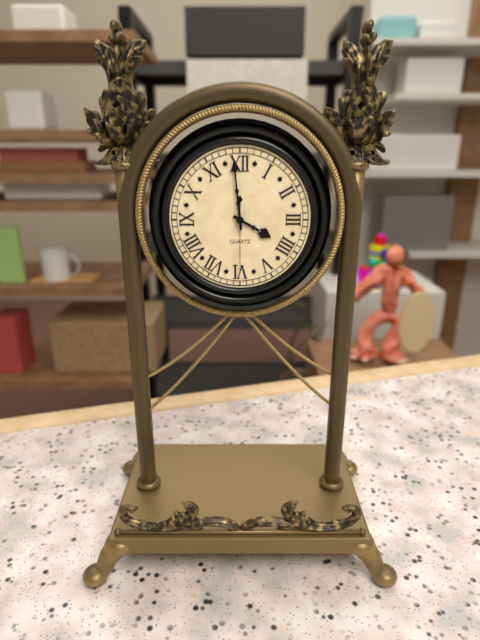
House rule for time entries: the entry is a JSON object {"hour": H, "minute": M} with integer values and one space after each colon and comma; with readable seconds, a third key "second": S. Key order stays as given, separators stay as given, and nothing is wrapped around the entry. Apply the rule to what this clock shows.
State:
{"hour": 3, "minute": 59, "second": 30}
